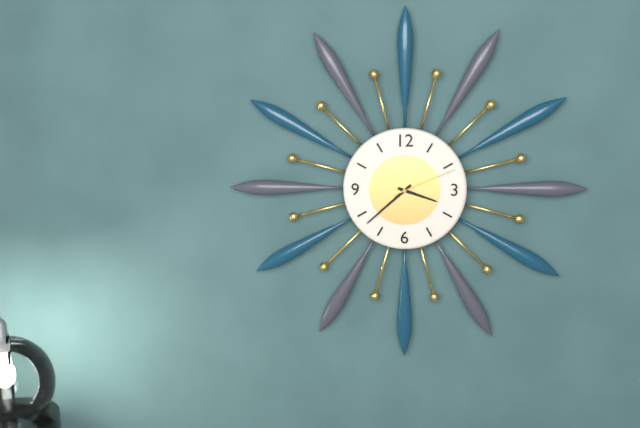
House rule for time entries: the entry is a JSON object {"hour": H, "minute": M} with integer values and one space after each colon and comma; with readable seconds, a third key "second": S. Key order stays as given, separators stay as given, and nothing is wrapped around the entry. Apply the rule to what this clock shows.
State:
{"hour": 3, "minute": 38, "second": 11}
